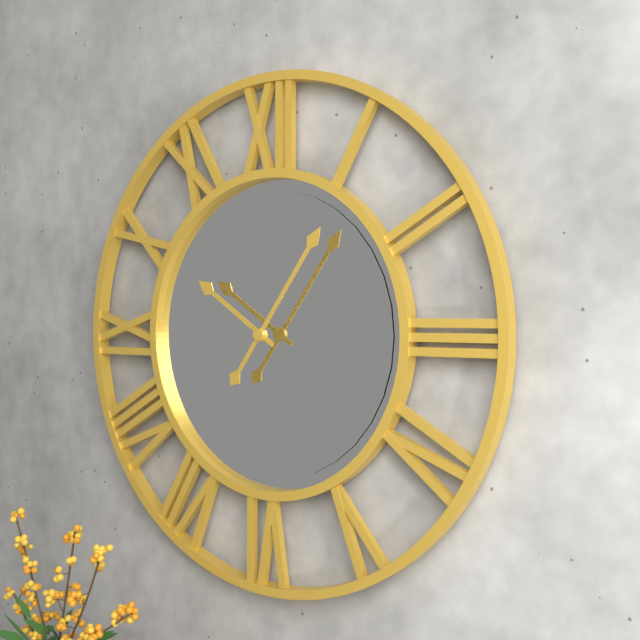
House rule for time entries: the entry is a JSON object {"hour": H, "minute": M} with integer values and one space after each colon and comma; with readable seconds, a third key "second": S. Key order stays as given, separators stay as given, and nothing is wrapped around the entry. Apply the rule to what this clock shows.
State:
{"hour": 10, "minute": 6}
